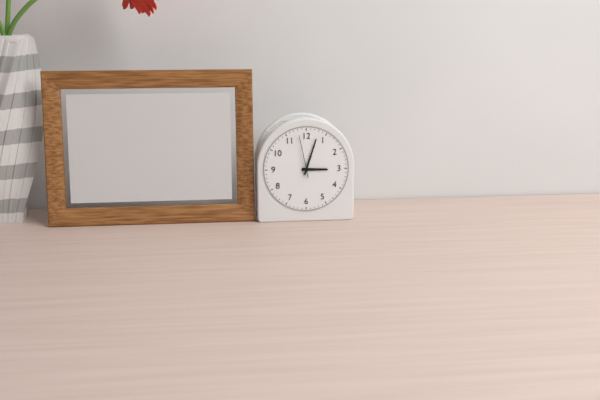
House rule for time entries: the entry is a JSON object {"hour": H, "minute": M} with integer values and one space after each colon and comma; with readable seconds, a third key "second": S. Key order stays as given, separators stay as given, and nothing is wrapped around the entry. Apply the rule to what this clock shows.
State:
{"hour": 3, "minute": 3}
